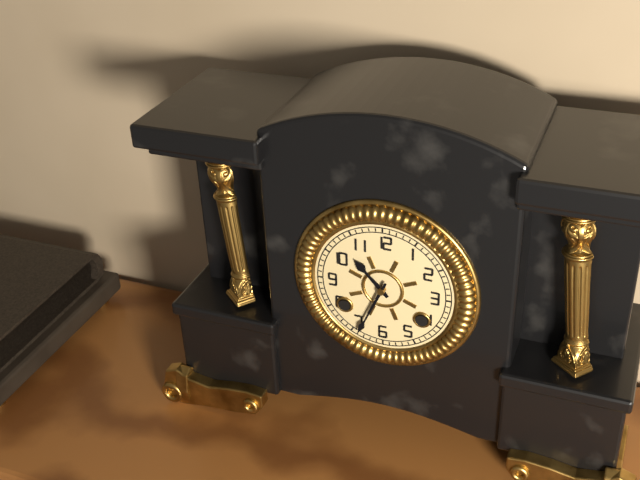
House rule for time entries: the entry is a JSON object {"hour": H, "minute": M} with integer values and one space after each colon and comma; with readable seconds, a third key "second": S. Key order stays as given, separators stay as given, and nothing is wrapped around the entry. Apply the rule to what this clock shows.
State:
{"hour": 10, "minute": 34}
